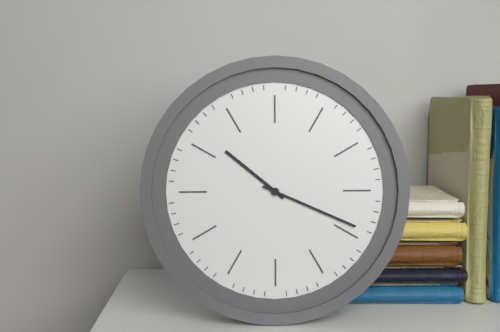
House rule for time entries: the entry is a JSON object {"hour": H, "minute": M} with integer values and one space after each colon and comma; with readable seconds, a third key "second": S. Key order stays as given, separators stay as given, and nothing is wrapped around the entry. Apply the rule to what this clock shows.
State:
{"hour": 10, "minute": 19}
